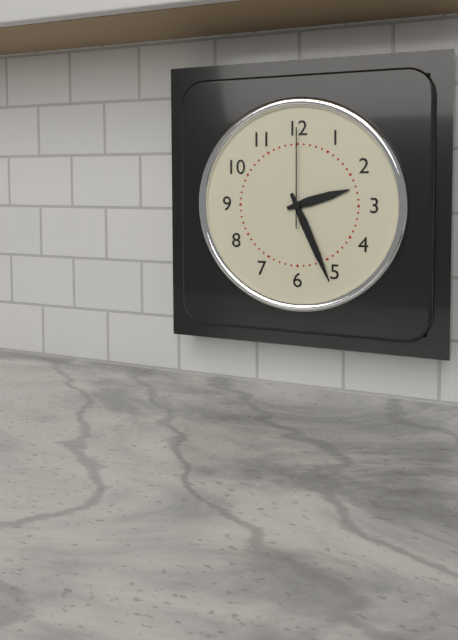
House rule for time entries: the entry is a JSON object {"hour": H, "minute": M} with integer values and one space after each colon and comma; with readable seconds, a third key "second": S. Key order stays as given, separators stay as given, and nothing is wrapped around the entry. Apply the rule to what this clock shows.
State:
{"hour": 2, "minute": 26, "second": 0}
